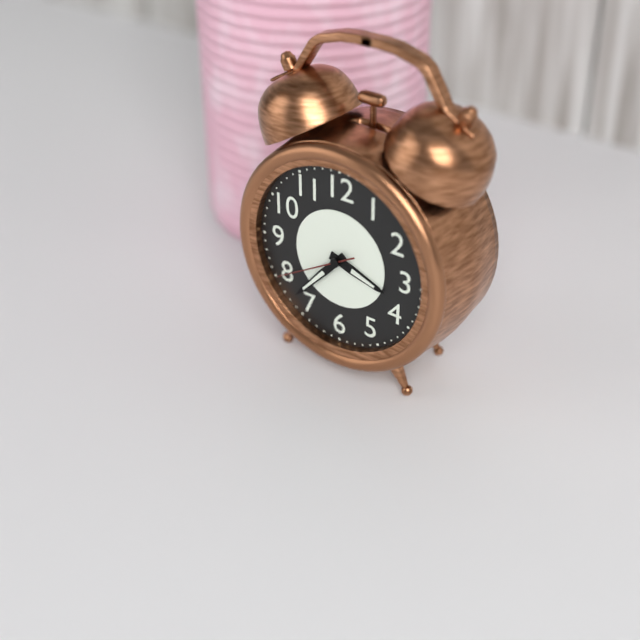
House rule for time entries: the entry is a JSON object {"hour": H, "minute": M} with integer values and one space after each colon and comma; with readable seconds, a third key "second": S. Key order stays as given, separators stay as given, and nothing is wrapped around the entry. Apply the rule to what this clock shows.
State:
{"hour": 3, "minute": 37, "second": 40}
